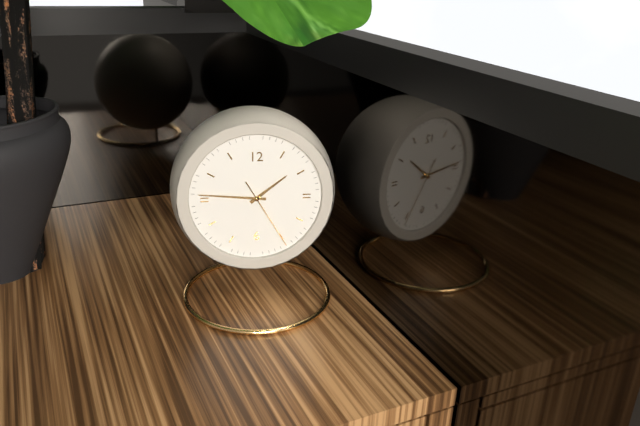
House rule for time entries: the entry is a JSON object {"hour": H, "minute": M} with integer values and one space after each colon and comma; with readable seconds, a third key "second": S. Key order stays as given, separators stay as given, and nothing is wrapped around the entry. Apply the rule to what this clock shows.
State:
{"hour": 1, "minute": 46, "second": 25}
